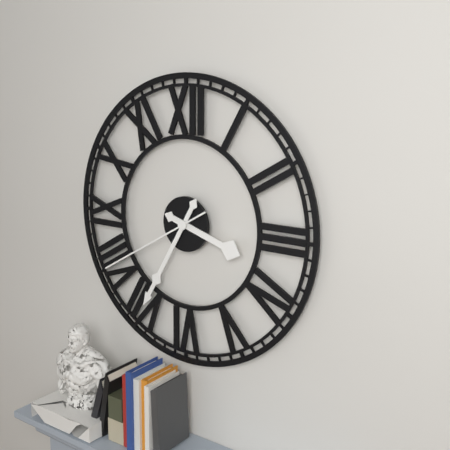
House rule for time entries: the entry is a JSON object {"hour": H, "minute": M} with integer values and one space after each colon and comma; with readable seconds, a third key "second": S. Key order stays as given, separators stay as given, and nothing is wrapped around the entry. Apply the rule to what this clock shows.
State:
{"hour": 3, "minute": 35, "second": 40}
